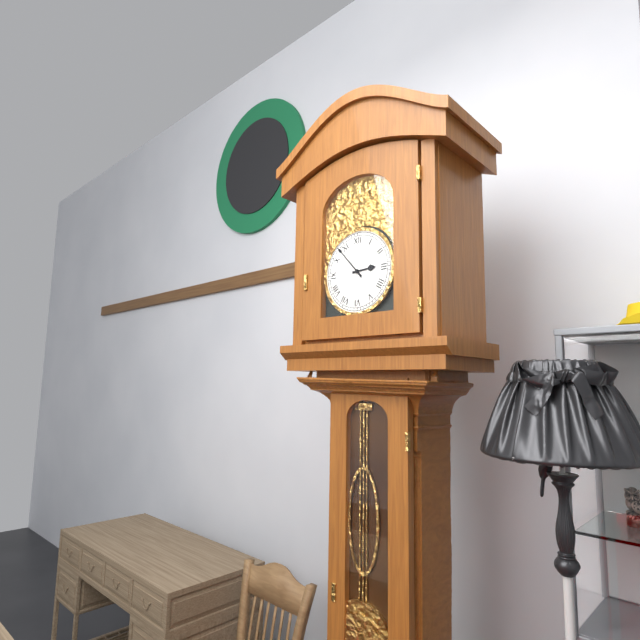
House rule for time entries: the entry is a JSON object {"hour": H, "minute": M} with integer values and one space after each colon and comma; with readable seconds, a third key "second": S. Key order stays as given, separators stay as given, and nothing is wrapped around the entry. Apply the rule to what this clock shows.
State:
{"hour": 2, "minute": 53}
